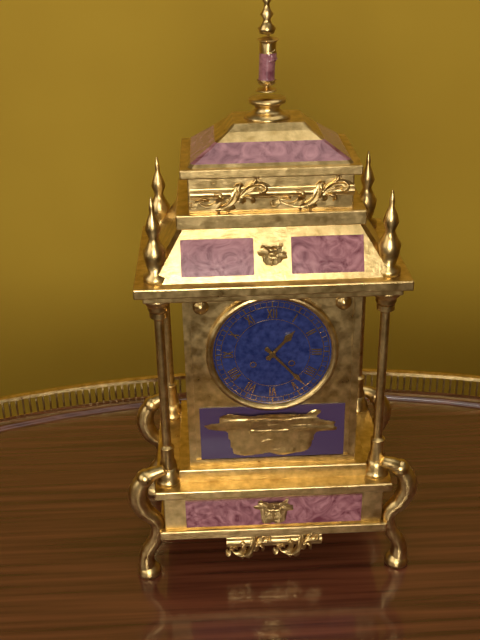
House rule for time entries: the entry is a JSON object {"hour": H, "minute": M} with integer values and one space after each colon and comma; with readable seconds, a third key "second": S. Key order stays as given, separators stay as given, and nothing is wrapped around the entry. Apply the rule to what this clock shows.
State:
{"hour": 1, "minute": 23}
